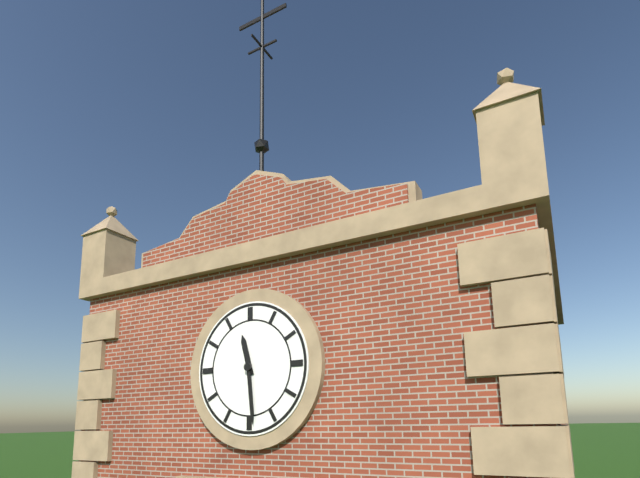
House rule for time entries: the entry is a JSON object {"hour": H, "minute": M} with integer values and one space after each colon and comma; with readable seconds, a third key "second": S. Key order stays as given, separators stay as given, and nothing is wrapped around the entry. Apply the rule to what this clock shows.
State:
{"hour": 11, "minute": 29}
